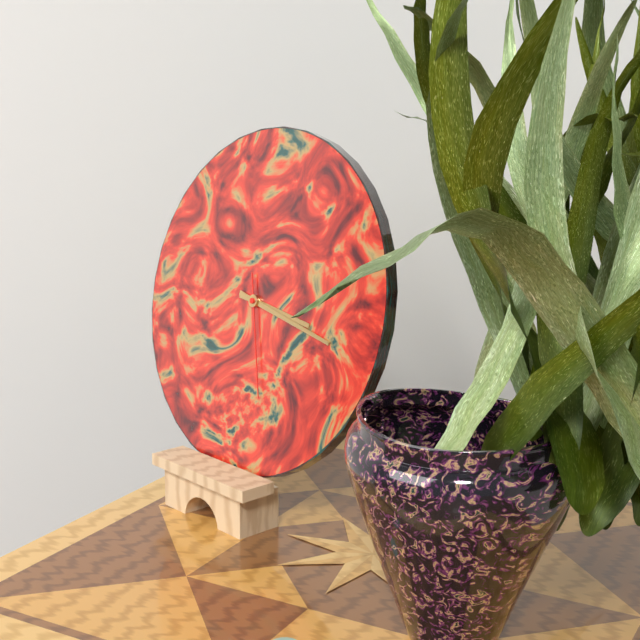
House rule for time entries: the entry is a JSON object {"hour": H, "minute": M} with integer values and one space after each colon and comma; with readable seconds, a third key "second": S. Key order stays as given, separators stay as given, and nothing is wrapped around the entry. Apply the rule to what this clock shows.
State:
{"hour": 3, "minute": 17, "second": 27}
